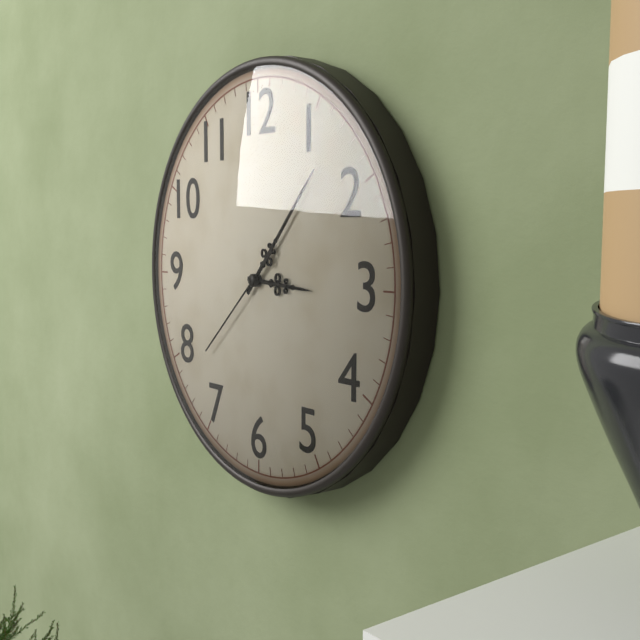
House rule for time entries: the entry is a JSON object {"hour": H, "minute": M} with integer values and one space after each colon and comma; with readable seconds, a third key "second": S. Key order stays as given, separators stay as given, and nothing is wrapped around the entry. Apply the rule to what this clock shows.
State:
{"hour": 3, "minute": 7, "second": 38}
